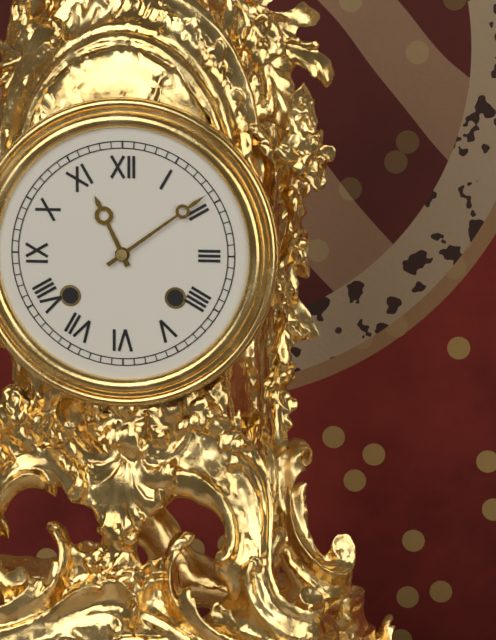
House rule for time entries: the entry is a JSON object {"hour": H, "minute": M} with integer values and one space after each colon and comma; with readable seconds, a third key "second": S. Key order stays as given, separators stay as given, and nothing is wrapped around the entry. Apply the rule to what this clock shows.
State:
{"hour": 11, "minute": 9}
